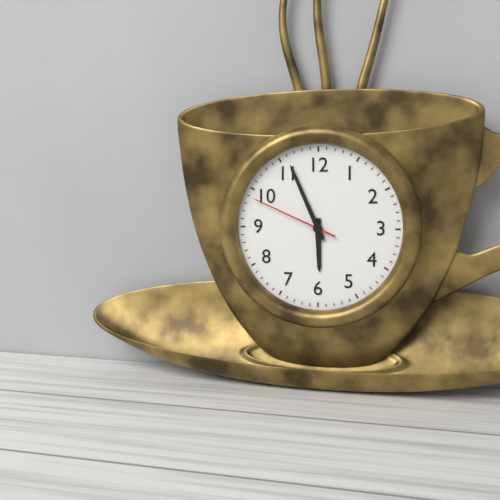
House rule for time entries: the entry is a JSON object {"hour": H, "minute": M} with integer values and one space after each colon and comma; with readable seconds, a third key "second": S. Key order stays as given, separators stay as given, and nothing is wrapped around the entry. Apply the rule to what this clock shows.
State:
{"hour": 5, "minute": 56, "second": 49}
